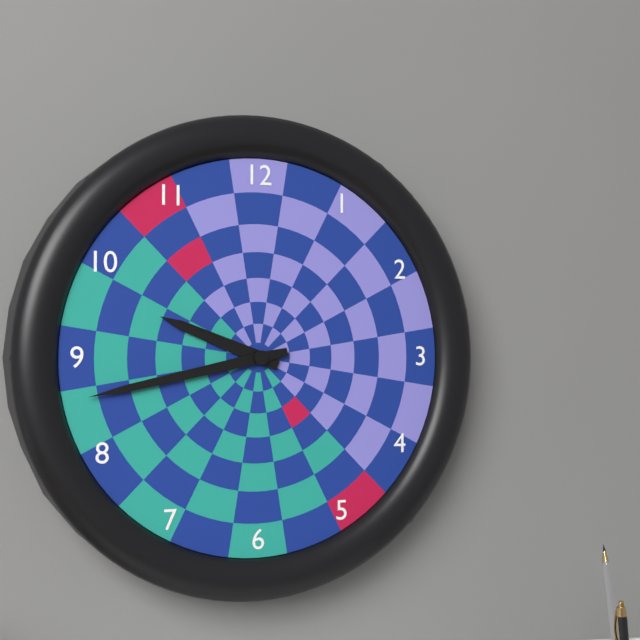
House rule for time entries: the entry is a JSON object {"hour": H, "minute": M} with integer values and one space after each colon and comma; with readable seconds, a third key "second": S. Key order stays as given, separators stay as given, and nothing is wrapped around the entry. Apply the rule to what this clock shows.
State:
{"hour": 9, "minute": 43}
